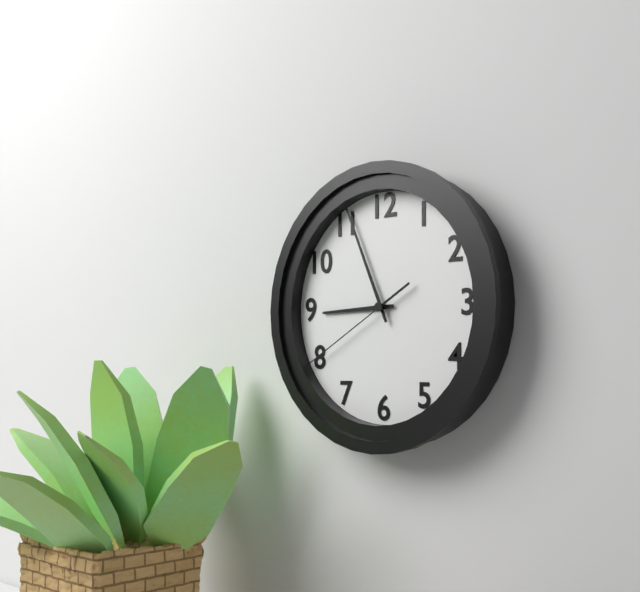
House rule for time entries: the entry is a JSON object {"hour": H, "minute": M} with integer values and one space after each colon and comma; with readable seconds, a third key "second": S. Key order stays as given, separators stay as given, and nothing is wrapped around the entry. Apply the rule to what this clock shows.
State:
{"hour": 8, "minute": 56, "second": 40}
